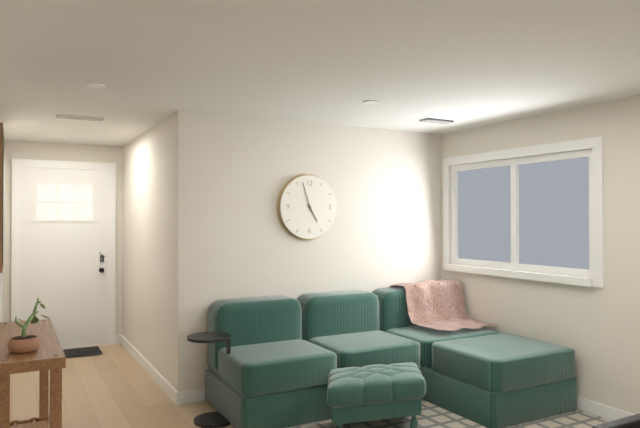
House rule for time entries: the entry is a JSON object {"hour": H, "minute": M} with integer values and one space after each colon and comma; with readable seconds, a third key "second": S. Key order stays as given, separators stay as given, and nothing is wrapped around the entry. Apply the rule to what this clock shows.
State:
{"hour": 4, "minute": 57}
